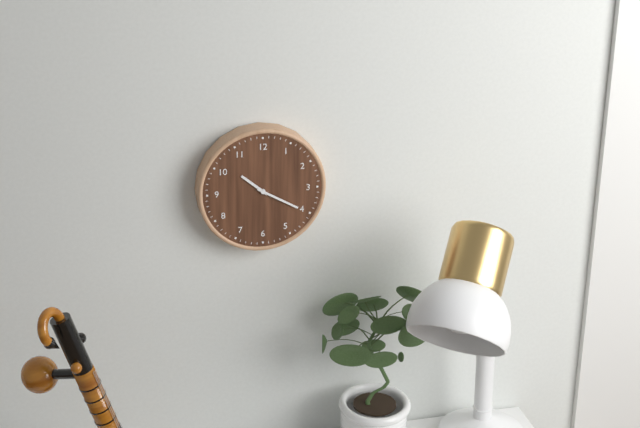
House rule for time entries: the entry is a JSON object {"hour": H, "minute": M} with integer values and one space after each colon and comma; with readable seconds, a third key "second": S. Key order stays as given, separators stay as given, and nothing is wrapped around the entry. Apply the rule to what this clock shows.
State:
{"hour": 10, "minute": 20}
